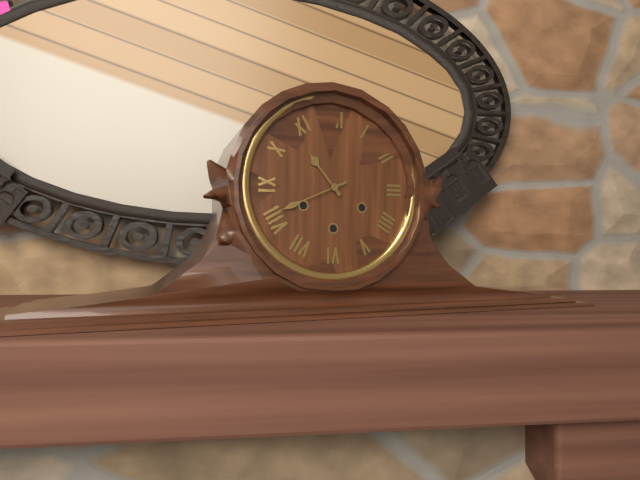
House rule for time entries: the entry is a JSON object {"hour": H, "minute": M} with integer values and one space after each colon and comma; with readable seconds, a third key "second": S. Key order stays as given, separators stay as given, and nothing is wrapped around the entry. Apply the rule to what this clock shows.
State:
{"hour": 10, "minute": 41}
